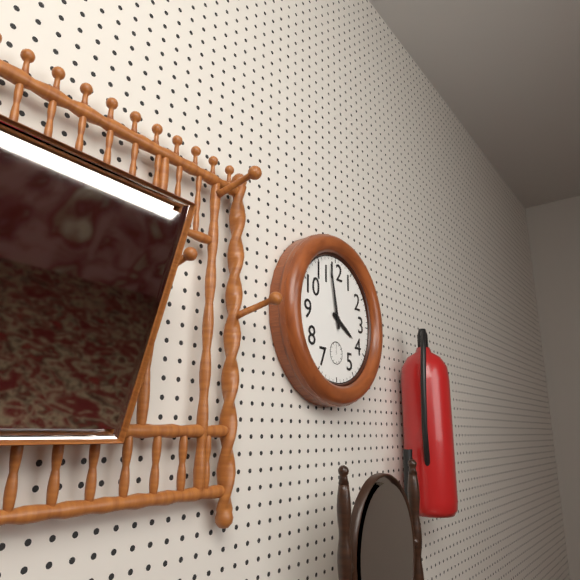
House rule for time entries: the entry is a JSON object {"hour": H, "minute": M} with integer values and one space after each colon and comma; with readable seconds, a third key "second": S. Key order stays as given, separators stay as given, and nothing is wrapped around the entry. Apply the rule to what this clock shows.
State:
{"hour": 3, "minute": 58}
